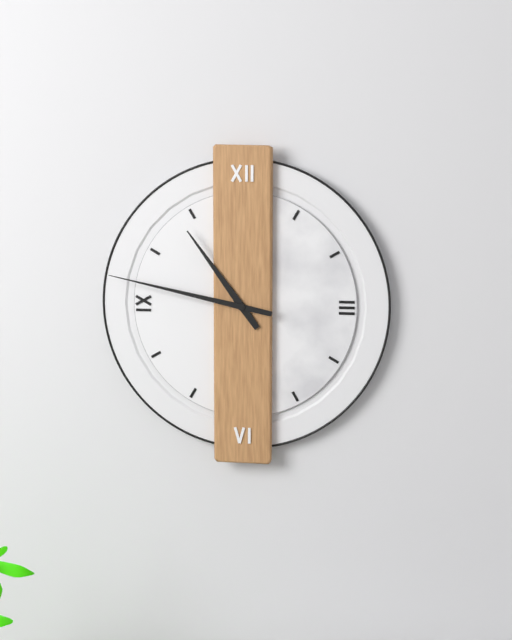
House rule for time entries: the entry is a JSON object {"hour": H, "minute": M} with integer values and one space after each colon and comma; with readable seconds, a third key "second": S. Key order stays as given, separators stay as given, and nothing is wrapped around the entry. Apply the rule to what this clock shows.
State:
{"hour": 10, "minute": 47}
